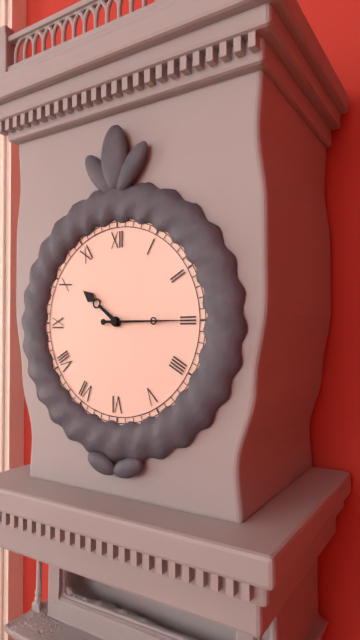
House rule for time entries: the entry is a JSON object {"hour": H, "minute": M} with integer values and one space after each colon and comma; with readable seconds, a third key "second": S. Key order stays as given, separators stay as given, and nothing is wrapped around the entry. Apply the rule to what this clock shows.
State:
{"hour": 10, "minute": 15}
